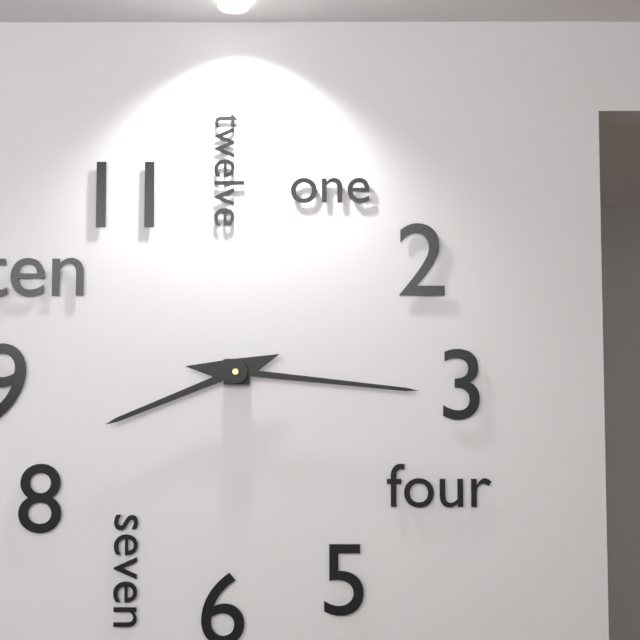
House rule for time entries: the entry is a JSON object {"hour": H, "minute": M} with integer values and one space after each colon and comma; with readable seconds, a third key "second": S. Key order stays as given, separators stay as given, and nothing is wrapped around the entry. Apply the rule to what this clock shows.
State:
{"hour": 8, "minute": 16}
